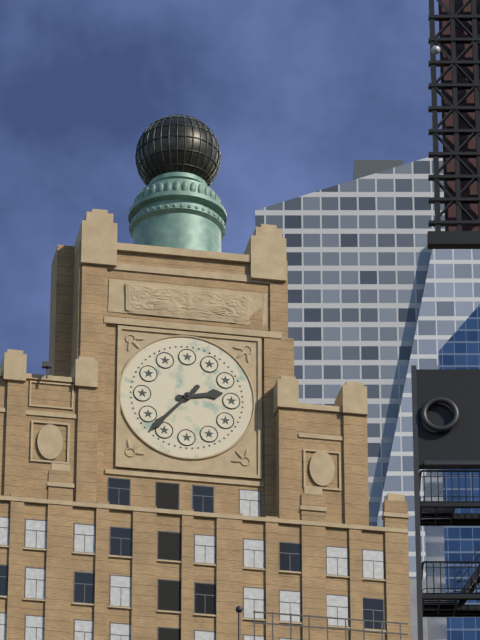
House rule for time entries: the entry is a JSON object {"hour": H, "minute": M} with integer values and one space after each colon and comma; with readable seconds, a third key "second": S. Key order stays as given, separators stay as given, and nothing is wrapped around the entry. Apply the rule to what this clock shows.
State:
{"hour": 2, "minute": 37}
